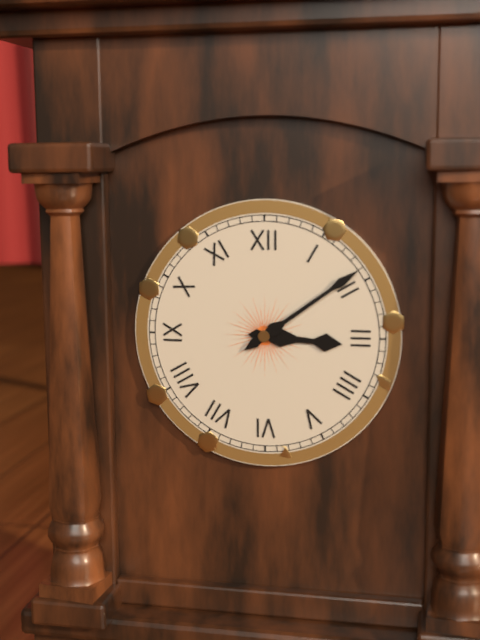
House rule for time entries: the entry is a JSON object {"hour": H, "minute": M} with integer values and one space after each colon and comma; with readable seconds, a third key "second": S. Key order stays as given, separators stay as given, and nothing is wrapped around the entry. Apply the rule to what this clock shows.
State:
{"hour": 3, "minute": 9}
